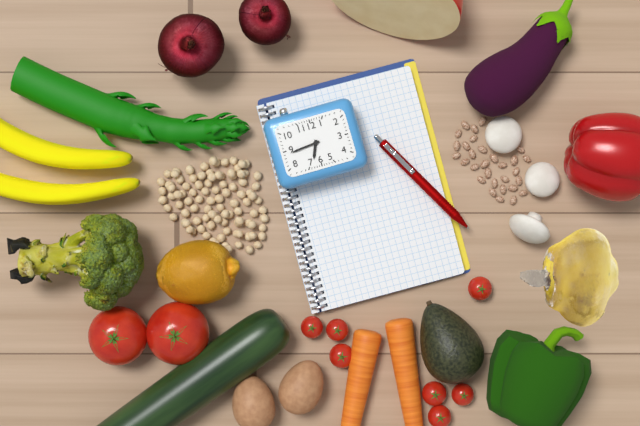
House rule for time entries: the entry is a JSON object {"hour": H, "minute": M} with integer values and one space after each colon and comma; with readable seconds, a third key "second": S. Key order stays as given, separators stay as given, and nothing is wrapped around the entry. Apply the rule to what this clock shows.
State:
{"hour": 6, "minute": 44}
